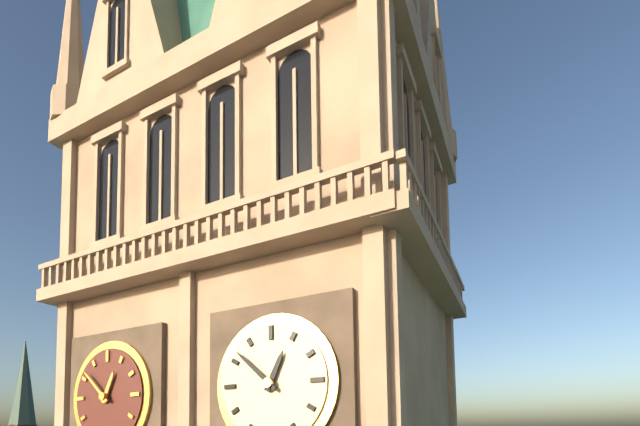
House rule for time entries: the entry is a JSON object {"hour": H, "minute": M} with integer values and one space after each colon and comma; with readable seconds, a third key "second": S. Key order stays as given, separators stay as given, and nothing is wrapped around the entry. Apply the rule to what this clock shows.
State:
{"hour": 12, "minute": 52}
